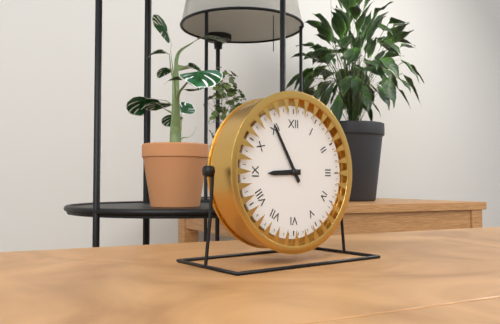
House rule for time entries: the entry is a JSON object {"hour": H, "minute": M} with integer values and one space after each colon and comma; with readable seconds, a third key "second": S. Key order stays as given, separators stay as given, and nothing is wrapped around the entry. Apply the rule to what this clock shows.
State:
{"hour": 8, "minute": 55}
